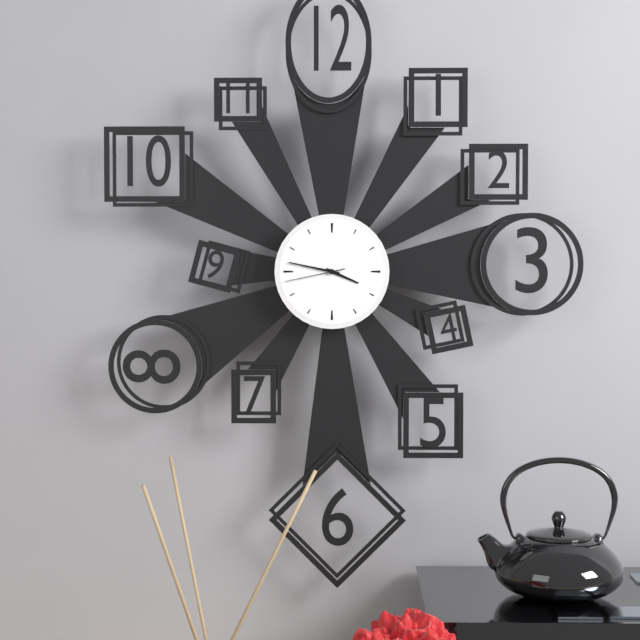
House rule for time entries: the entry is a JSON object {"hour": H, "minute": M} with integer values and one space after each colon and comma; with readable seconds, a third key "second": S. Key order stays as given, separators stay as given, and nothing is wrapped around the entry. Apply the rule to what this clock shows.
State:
{"hour": 3, "minute": 47, "second": 43}
